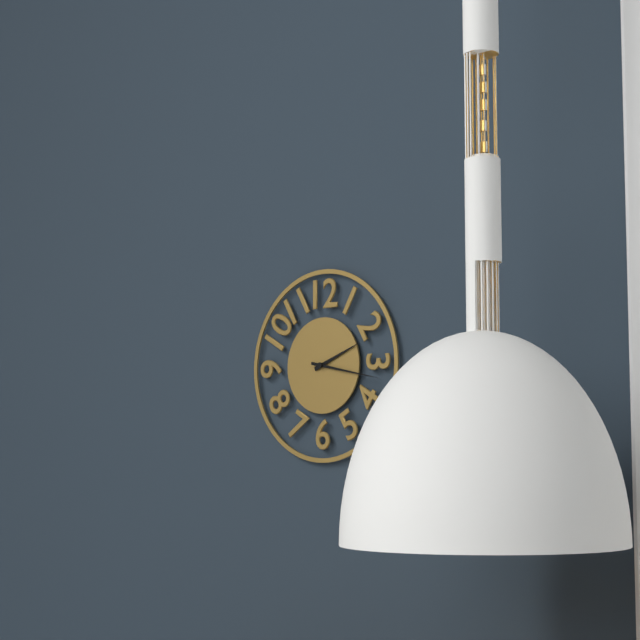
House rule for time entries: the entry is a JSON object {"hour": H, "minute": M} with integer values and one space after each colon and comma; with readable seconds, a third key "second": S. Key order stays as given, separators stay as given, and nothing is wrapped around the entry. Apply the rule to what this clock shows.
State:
{"hour": 2, "minute": 17}
